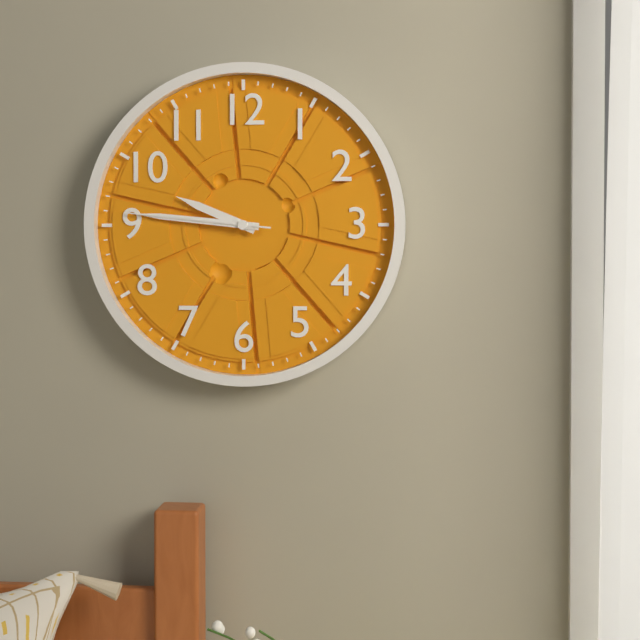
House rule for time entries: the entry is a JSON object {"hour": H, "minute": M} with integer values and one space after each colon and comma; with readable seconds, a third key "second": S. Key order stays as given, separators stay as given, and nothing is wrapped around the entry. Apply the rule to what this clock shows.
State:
{"hour": 9, "minute": 46, "second": 46}
